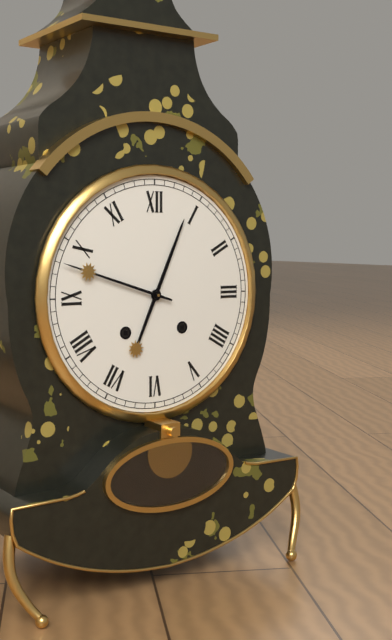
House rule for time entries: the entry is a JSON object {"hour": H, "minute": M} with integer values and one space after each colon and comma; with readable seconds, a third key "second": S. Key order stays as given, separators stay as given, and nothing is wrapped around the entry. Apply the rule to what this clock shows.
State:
{"hour": 12, "minute": 48}
